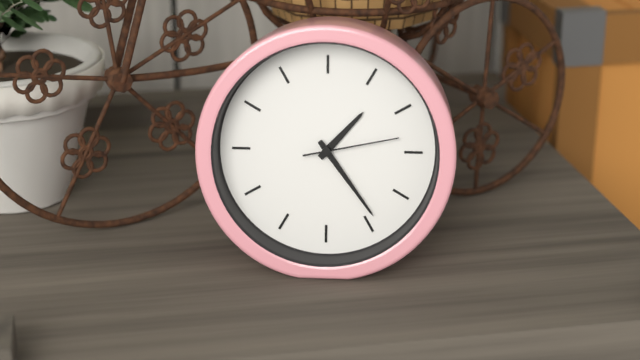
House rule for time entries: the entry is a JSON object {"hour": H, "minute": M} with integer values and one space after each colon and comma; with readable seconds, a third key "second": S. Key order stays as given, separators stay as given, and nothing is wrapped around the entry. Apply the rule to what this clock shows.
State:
{"hour": 1, "minute": 24, "second": 13}
